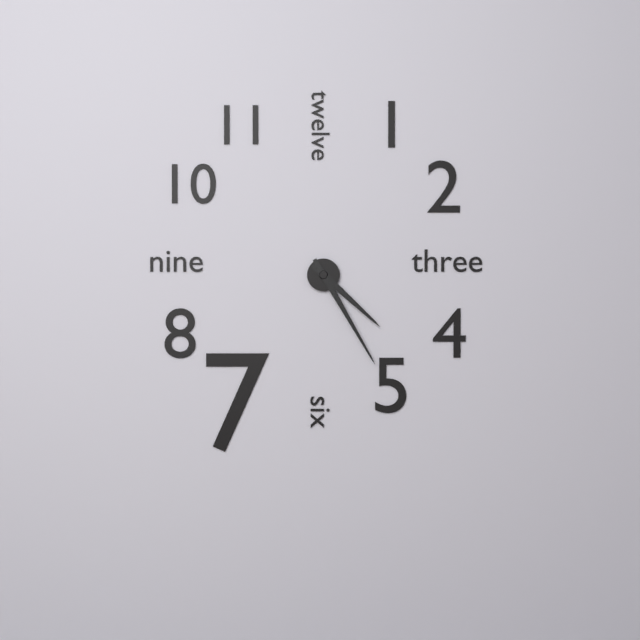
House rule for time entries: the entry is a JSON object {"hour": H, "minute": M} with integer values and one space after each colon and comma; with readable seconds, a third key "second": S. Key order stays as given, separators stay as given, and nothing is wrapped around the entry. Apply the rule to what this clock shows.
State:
{"hour": 4, "minute": 25}
